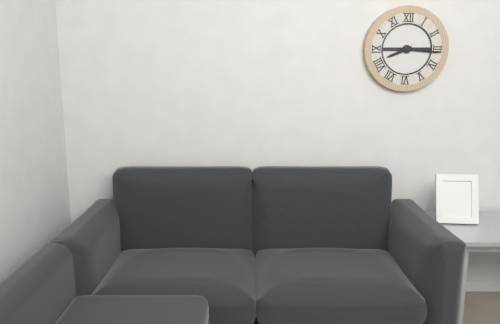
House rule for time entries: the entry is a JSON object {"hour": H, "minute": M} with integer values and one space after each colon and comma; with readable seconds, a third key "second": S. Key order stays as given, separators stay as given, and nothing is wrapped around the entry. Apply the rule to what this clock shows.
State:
{"hour": 8, "minute": 16}
